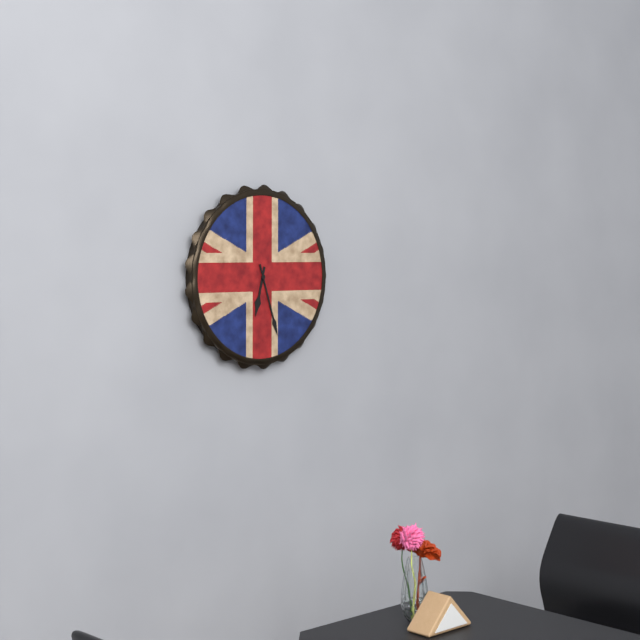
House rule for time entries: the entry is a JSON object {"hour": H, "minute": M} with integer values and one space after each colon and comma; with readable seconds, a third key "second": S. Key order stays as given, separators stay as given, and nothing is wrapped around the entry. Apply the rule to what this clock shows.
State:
{"hour": 6, "minute": 27}
